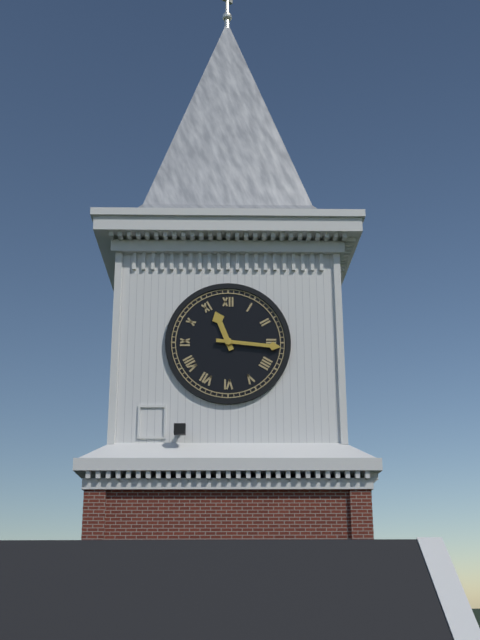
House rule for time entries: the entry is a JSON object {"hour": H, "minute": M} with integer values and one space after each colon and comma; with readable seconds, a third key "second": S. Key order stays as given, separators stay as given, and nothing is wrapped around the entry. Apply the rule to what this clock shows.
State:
{"hour": 11, "minute": 16}
